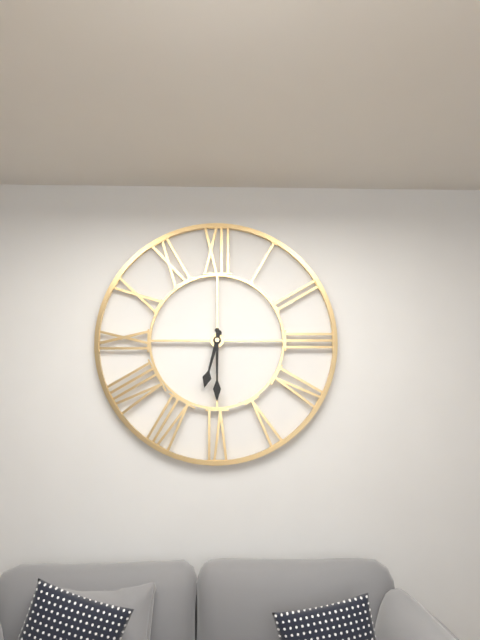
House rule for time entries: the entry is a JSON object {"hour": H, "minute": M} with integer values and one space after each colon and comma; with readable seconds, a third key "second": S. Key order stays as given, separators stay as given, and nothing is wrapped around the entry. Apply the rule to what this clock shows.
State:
{"hour": 6, "minute": 30}
